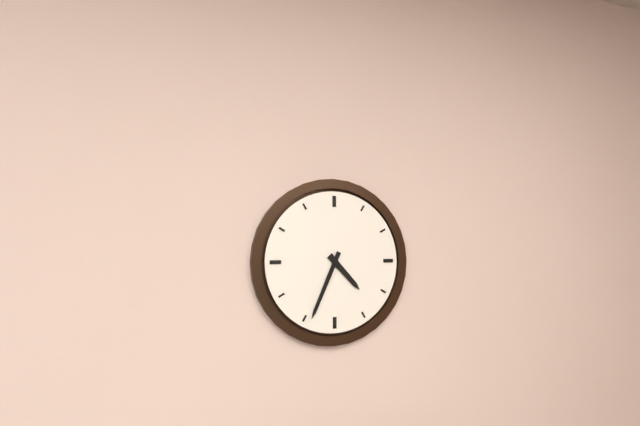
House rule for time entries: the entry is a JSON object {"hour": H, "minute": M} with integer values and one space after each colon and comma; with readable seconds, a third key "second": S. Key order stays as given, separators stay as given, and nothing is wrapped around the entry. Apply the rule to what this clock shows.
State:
{"hour": 4, "minute": 34}
